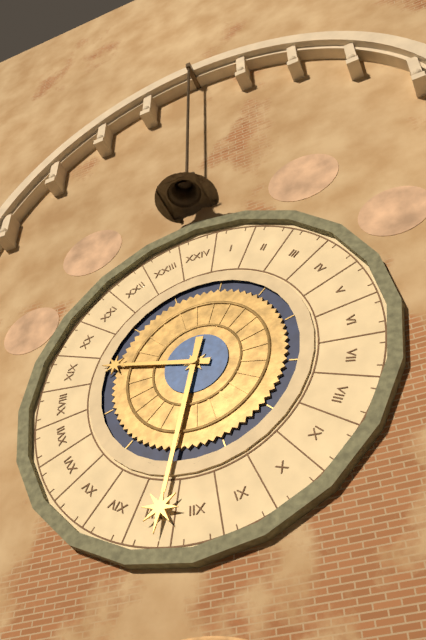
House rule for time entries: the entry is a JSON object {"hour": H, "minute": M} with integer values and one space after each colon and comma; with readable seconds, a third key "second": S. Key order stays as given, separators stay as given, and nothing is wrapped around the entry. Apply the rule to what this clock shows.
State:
{"hour": 9, "minute": 32}
